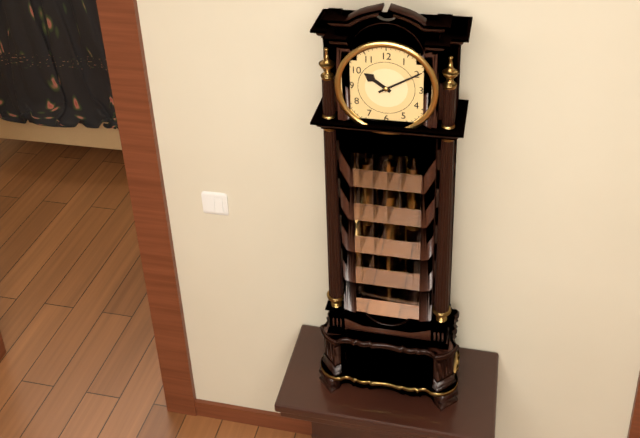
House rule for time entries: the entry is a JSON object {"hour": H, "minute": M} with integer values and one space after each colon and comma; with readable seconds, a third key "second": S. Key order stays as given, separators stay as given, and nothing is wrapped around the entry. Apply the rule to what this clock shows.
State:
{"hour": 10, "minute": 10}
